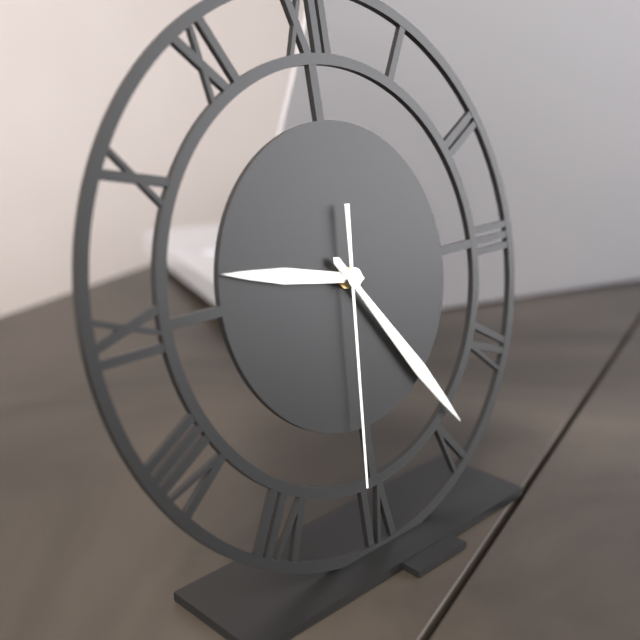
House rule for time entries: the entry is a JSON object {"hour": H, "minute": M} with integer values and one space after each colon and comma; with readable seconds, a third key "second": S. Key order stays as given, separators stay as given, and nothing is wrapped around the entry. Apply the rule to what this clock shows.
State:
{"hour": 9, "minute": 24, "second": 31}
